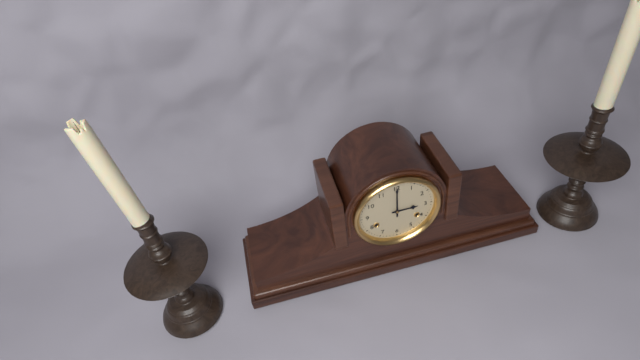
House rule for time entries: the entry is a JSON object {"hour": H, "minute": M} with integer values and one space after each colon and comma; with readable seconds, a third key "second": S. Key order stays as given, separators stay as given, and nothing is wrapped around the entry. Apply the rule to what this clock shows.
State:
{"hour": 3, "minute": 0}
